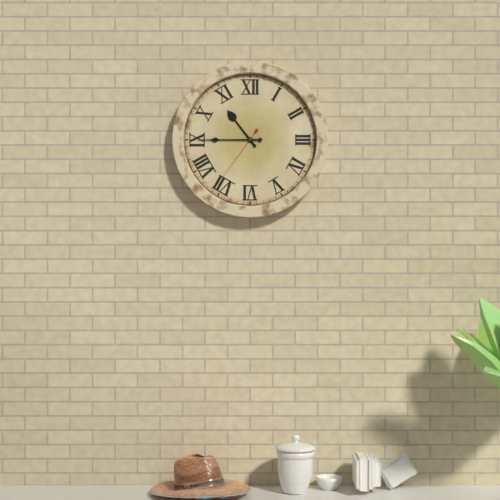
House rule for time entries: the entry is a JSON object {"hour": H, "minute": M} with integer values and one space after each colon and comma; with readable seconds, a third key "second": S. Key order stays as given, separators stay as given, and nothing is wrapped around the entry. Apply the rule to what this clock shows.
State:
{"hour": 10, "minute": 45, "second": 36}
